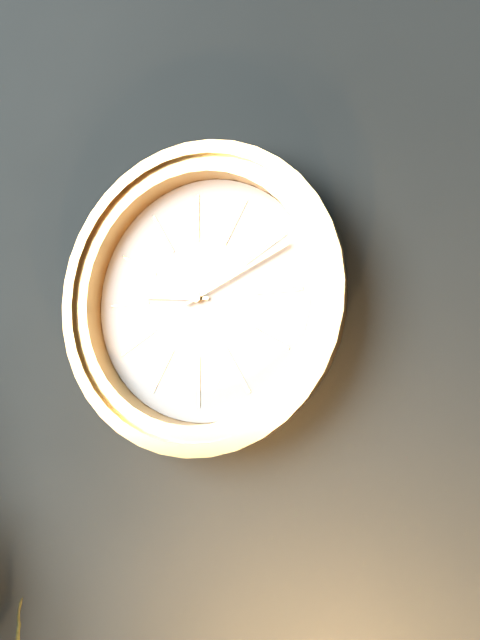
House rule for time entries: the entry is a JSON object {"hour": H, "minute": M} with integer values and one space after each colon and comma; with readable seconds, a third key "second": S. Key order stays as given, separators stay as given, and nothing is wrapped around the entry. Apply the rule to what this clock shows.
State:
{"hour": 9, "minute": 11}
